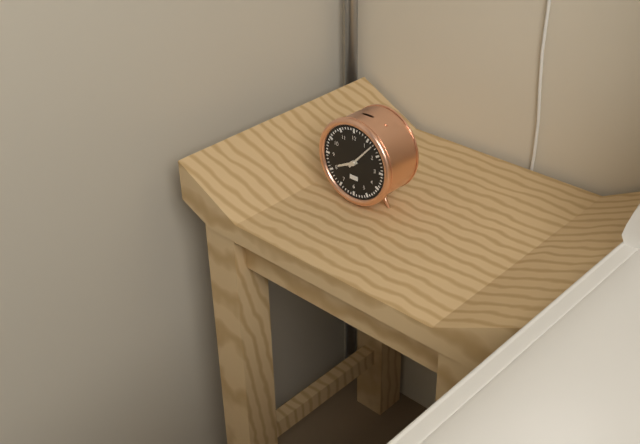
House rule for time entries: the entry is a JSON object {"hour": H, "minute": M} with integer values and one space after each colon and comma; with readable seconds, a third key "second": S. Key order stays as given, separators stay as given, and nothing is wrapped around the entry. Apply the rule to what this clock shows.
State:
{"hour": 8, "minute": 7}
